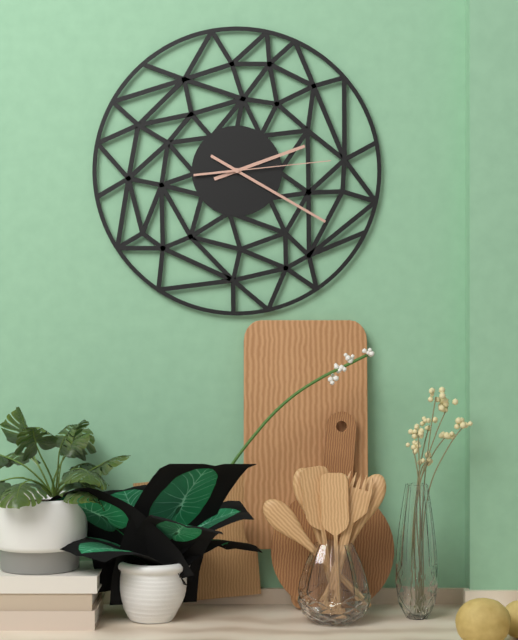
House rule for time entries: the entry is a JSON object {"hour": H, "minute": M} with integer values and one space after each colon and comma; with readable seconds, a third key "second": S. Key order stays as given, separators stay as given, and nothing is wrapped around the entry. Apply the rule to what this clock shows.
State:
{"hour": 2, "minute": 20, "second": 14}
